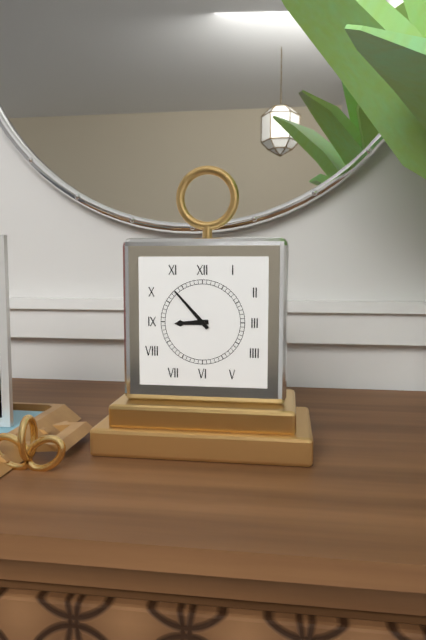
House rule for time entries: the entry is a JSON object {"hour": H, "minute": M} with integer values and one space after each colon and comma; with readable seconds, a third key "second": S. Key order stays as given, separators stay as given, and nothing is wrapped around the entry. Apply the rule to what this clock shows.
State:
{"hour": 8, "minute": 53}
